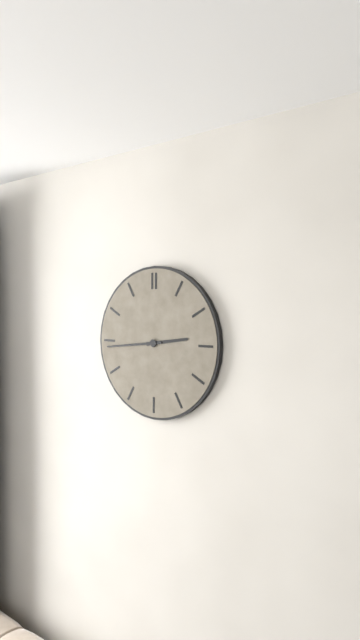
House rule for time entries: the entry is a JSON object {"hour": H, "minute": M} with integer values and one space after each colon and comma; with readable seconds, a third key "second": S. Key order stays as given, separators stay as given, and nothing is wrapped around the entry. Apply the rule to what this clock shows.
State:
{"hour": 2, "minute": 44}
